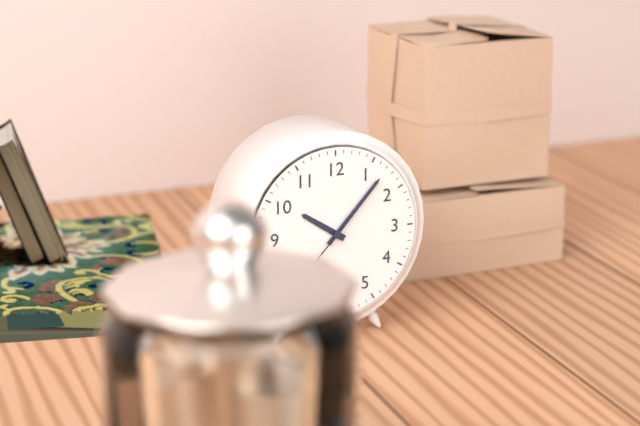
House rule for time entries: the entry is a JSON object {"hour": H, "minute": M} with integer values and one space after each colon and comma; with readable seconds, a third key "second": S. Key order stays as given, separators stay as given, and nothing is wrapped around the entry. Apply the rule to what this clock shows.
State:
{"hour": 10, "minute": 7}
